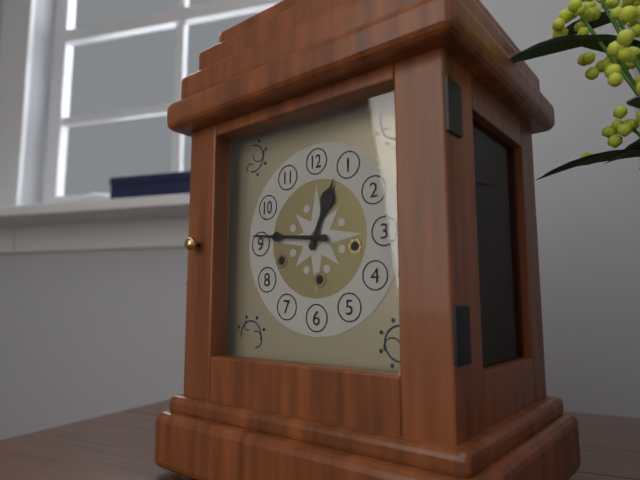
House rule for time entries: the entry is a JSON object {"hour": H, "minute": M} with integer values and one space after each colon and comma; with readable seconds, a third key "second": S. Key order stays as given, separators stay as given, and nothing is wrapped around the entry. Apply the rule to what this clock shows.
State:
{"hour": 12, "minute": 46}
